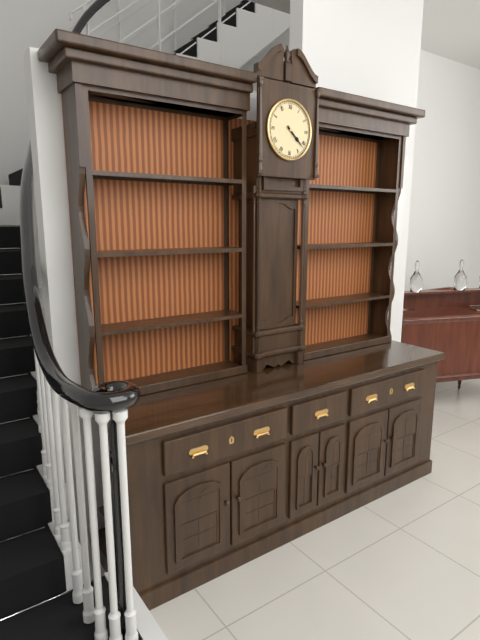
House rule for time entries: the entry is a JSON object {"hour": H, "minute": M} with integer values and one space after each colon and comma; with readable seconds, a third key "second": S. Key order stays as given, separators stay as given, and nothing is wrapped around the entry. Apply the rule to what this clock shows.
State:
{"hour": 4, "minute": 22}
